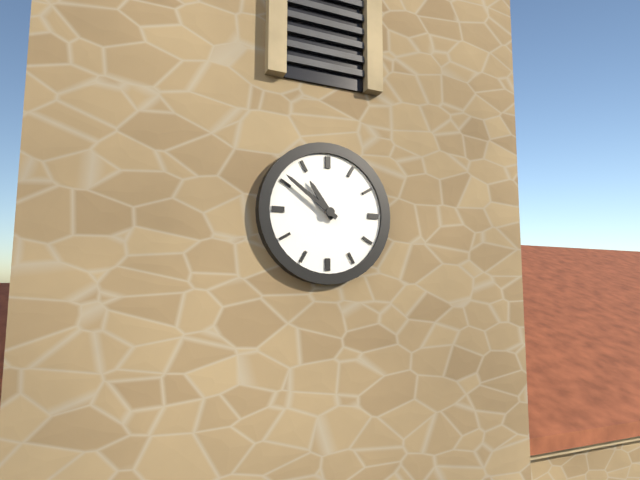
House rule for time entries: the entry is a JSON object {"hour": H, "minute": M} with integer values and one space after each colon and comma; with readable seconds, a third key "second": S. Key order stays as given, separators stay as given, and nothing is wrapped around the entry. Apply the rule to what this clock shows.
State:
{"hour": 10, "minute": 51}
